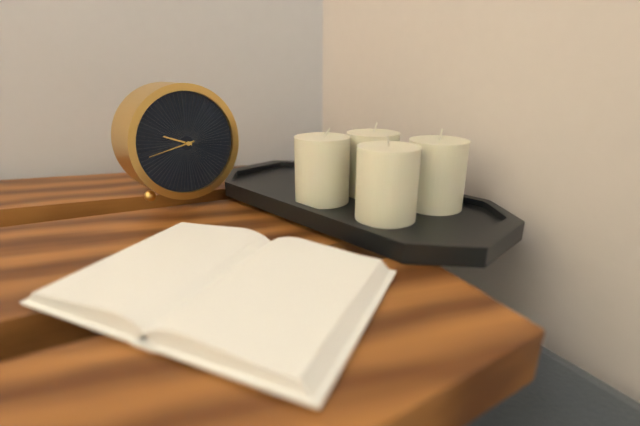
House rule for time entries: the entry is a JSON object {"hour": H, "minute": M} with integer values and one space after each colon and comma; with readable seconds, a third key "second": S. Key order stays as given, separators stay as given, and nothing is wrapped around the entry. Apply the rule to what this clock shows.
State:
{"hour": 9, "minute": 43}
